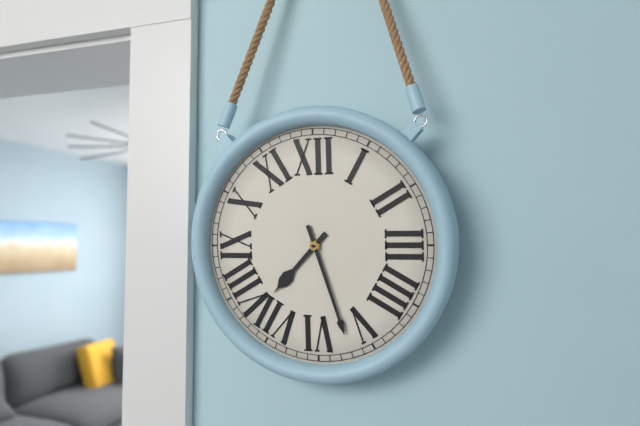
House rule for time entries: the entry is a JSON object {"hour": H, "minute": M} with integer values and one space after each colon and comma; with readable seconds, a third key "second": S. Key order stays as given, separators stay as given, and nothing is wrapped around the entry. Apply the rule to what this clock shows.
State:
{"hour": 7, "minute": 27}
